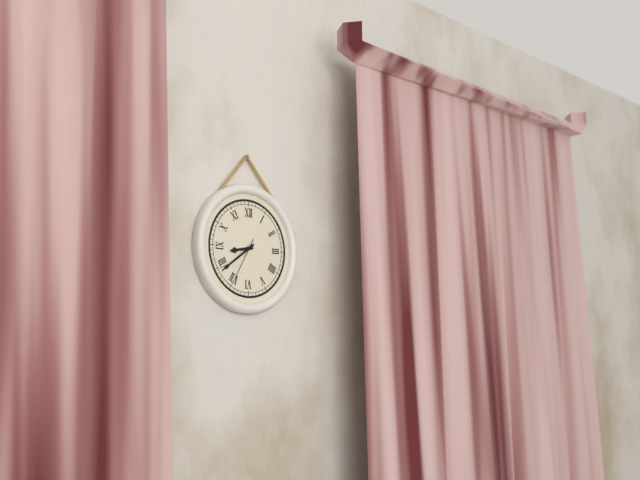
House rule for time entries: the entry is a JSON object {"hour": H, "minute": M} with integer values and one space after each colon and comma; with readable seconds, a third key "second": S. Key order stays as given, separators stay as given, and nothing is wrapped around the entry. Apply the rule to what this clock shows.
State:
{"hour": 8, "minute": 39}
